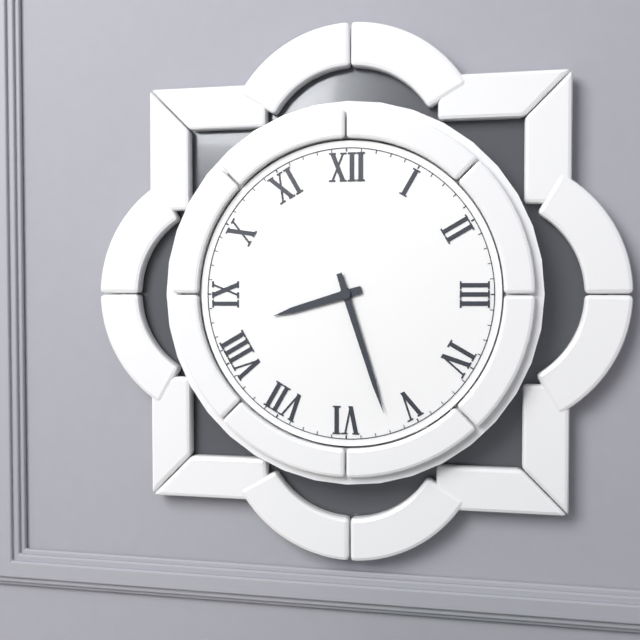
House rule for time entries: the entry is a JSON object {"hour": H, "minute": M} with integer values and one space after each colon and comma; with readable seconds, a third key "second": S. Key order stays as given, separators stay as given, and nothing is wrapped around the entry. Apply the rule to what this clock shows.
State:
{"hour": 8, "minute": 27}
